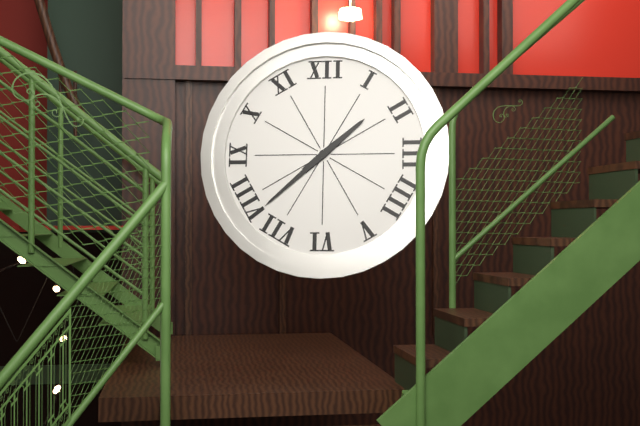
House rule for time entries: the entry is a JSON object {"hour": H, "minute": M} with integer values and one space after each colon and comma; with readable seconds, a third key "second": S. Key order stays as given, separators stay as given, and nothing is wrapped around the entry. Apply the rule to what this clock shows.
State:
{"hour": 1, "minute": 38}
